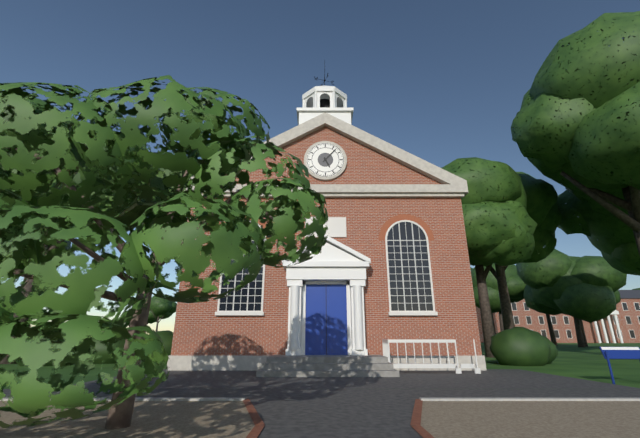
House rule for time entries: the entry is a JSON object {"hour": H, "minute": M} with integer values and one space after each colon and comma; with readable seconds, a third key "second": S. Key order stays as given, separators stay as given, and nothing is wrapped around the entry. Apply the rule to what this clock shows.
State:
{"hour": 5, "minute": 7}
